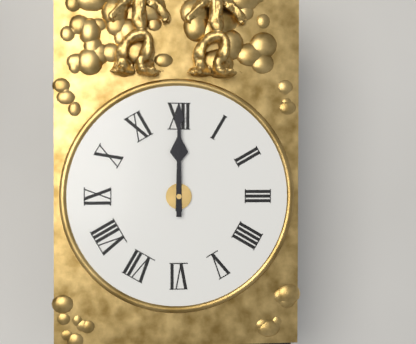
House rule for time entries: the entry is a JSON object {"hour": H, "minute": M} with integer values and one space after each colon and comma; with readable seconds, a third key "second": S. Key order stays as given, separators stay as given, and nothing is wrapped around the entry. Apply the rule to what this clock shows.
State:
{"hour": 12, "minute": 0}
